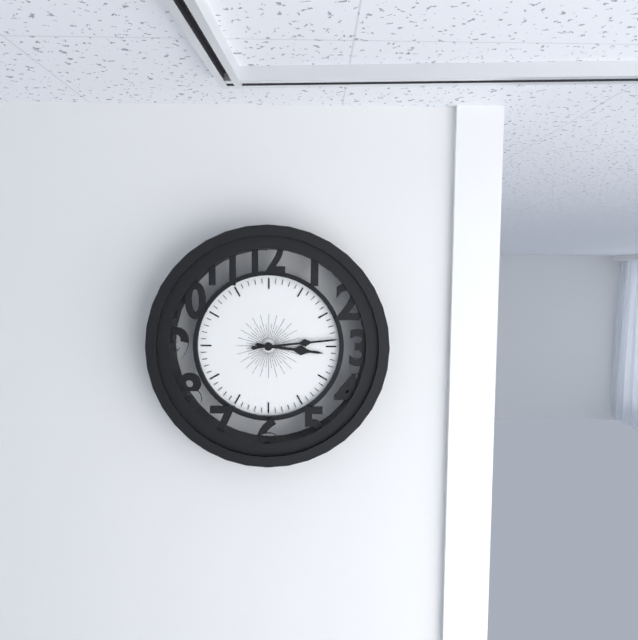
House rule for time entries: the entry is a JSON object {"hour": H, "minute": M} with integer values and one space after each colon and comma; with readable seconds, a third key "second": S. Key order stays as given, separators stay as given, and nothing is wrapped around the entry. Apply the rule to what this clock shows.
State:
{"hour": 3, "minute": 14}
